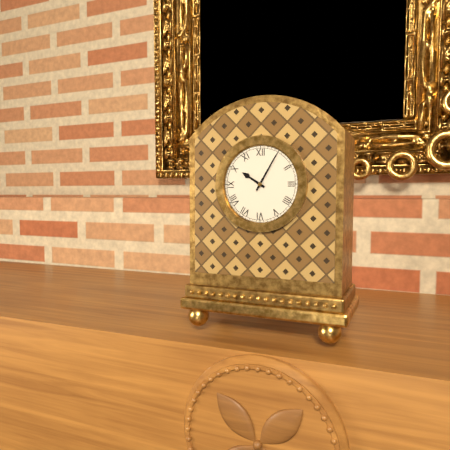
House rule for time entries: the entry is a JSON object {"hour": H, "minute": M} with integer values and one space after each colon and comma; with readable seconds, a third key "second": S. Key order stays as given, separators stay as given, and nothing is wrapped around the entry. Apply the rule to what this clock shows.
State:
{"hour": 10, "minute": 5}
